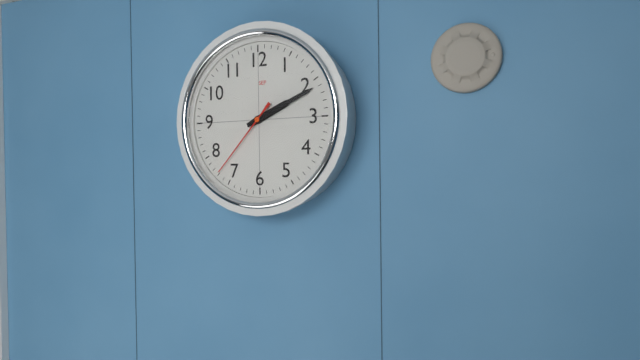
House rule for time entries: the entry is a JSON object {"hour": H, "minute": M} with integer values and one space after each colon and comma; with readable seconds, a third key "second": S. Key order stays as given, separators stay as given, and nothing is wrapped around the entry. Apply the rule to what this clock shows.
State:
{"hour": 2, "minute": 11, "second": 37}
